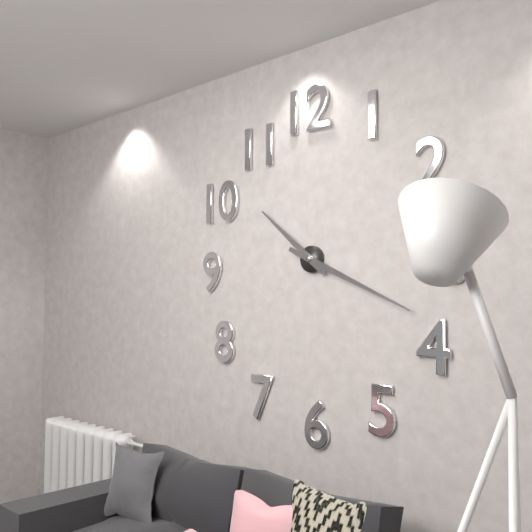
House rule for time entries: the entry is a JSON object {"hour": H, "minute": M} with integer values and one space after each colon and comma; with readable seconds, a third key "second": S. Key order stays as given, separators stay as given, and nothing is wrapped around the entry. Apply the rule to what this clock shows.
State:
{"hour": 10, "minute": 19}
